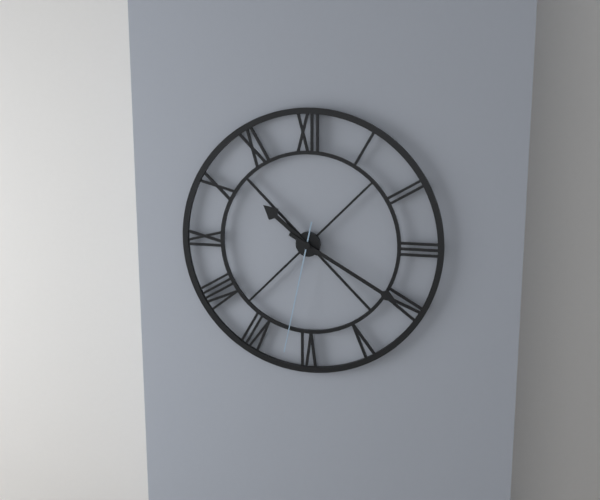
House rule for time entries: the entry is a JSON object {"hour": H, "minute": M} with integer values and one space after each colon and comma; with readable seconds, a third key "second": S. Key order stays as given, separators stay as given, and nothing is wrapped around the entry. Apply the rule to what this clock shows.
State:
{"hour": 10, "minute": 20, "second": 32}
